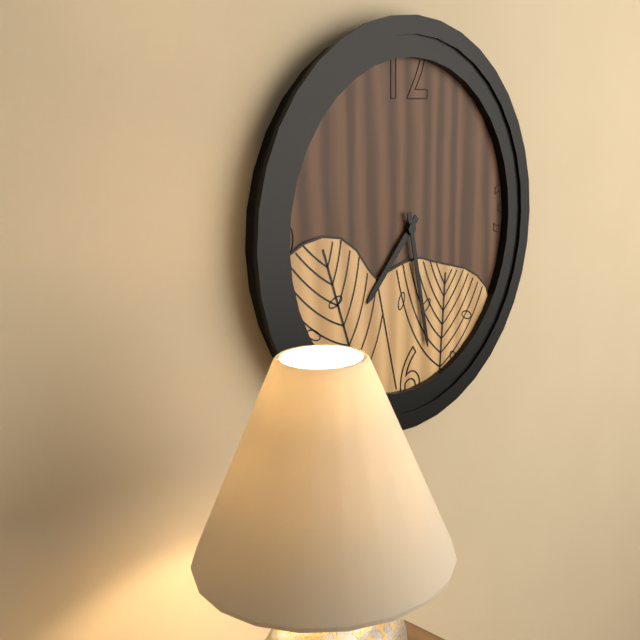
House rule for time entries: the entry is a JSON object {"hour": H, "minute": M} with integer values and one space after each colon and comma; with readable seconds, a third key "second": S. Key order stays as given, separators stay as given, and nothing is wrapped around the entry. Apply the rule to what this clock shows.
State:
{"hour": 7, "minute": 28}
